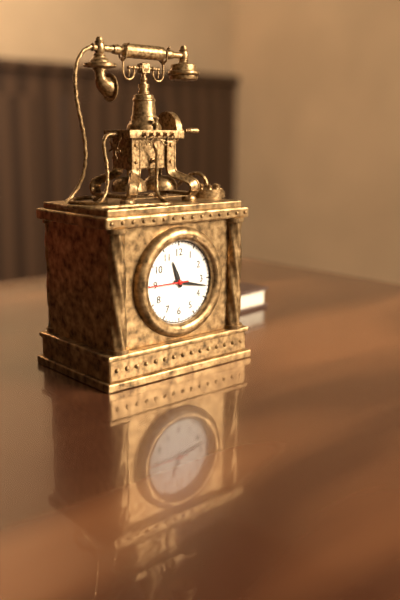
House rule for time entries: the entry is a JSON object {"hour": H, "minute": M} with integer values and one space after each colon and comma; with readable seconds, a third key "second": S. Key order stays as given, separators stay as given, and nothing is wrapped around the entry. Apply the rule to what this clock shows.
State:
{"hour": 11, "minute": 17}
